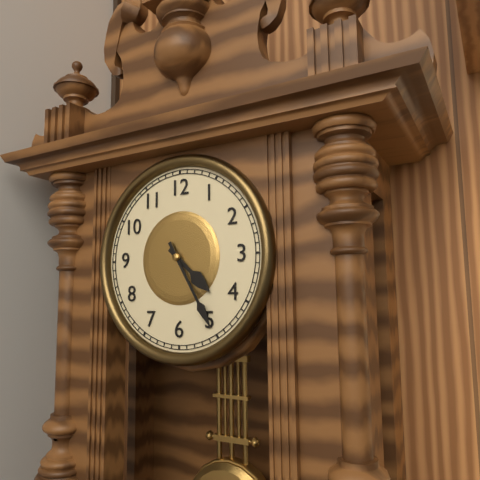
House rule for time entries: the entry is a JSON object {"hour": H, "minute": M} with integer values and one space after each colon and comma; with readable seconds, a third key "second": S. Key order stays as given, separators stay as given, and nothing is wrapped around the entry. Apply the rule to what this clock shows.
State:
{"hour": 4, "minute": 25}
